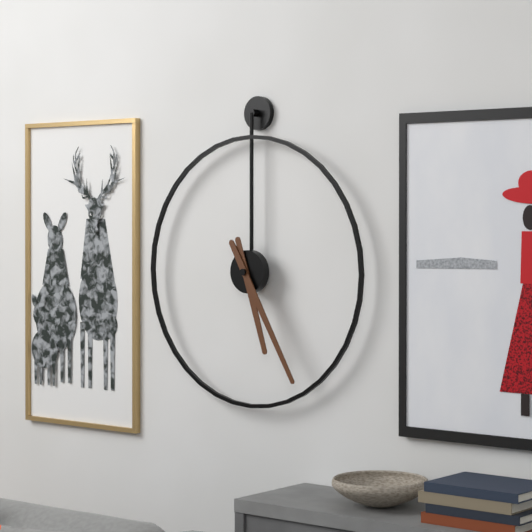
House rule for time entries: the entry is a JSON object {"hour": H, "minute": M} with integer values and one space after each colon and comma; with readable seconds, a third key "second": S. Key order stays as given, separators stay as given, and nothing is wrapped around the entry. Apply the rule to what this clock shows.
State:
{"hour": 5, "minute": 25}
